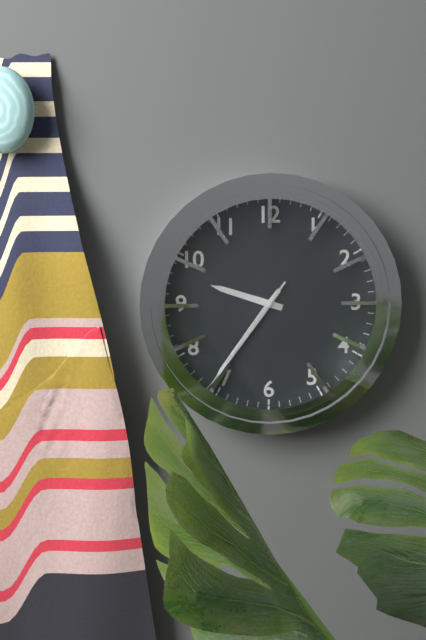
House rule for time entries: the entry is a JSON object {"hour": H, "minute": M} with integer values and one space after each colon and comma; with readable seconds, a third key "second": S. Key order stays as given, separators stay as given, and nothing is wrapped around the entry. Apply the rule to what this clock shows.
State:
{"hour": 9, "minute": 36, "second": 36}
